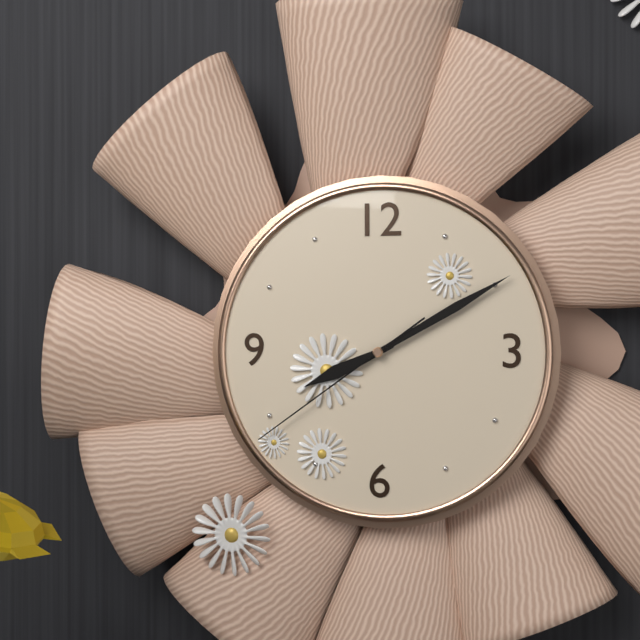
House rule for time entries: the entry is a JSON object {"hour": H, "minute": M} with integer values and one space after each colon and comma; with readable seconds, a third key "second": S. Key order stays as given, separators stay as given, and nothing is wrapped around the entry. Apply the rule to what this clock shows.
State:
{"hour": 8, "minute": 10, "second": 39}
